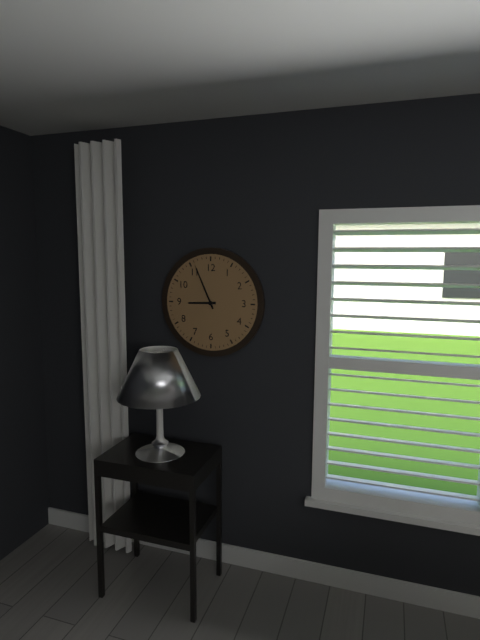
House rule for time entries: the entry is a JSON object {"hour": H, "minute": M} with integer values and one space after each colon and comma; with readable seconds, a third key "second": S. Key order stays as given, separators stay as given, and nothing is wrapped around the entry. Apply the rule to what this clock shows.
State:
{"hour": 8, "minute": 56}
